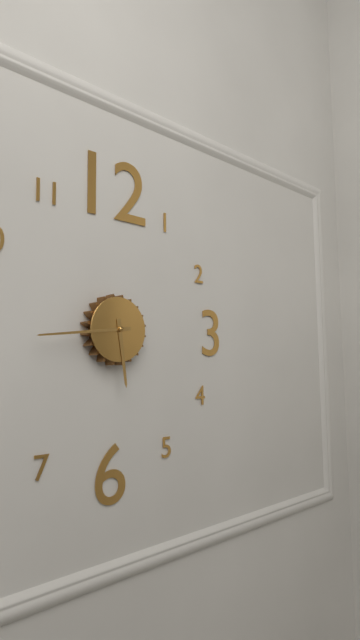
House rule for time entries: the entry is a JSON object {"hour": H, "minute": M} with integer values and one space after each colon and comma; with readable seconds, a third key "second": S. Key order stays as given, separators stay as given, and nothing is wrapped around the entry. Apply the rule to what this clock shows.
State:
{"hour": 5, "minute": 44}
